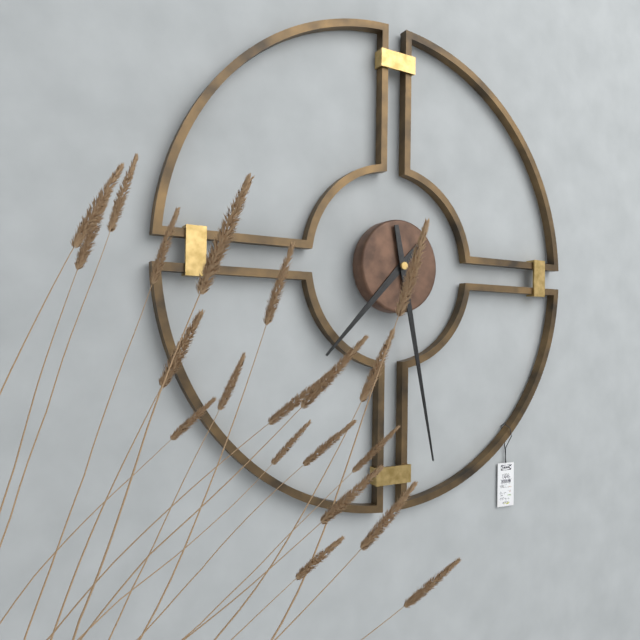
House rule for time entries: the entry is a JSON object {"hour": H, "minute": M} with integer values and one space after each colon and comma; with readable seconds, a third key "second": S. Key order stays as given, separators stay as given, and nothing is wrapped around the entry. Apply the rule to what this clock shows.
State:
{"hour": 7, "minute": 28}
